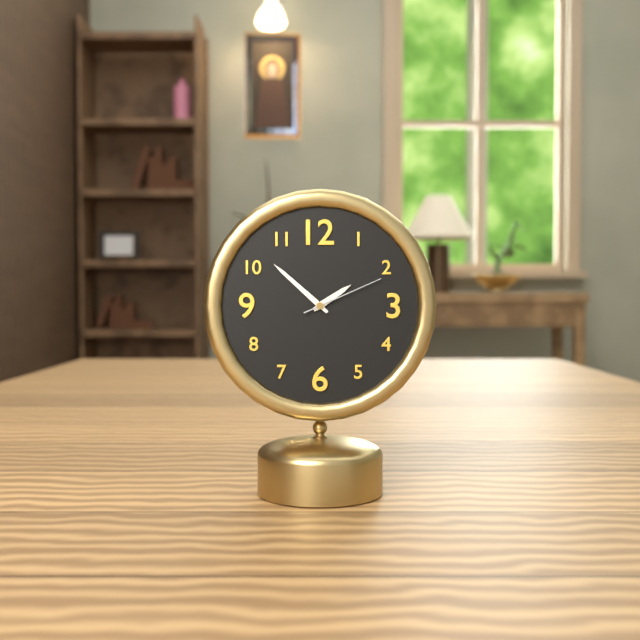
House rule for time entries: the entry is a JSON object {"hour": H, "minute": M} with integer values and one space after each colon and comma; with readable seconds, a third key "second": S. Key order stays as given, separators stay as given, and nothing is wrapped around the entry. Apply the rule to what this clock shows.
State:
{"hour": 1, "minute": 52, "second": 11}
